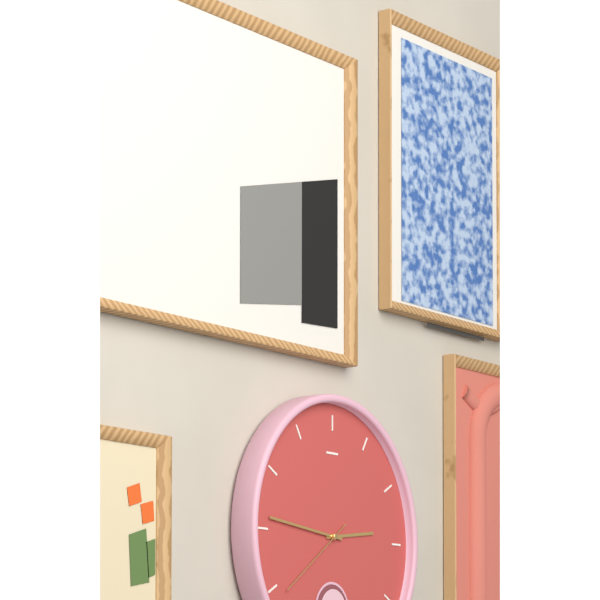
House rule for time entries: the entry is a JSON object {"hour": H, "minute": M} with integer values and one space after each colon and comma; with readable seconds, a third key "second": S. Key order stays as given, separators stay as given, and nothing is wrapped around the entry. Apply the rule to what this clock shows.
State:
{"hour": 2, "minute": 46, "second": 39}
